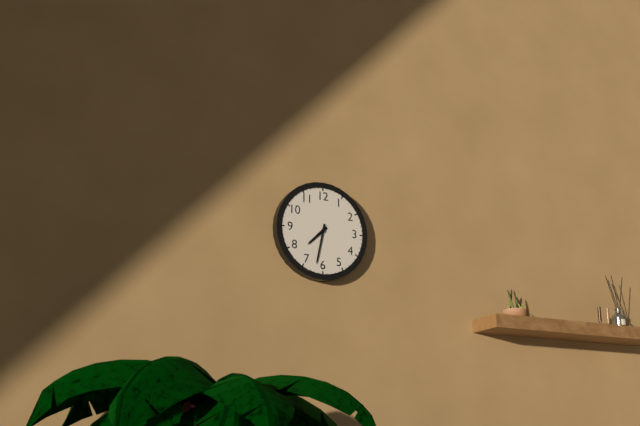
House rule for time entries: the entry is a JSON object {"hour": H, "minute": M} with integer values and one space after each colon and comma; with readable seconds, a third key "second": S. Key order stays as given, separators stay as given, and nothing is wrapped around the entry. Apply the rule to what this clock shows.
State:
{"hour": 7, "minute": 32}
